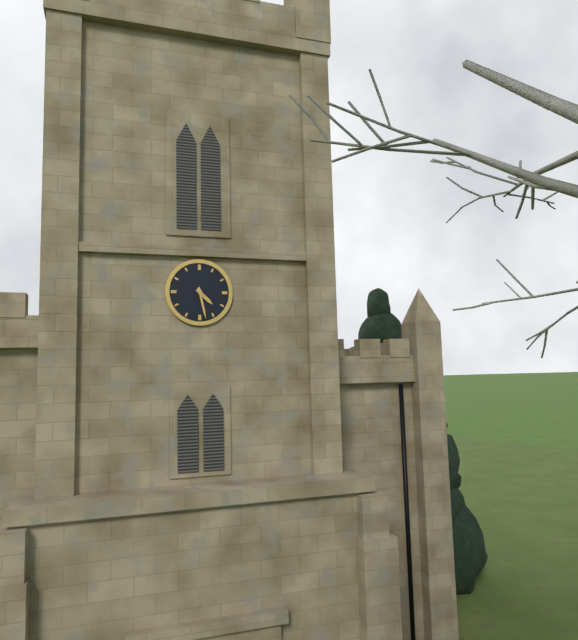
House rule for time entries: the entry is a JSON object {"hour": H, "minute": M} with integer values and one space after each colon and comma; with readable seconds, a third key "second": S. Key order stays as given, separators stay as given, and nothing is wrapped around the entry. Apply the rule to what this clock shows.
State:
{"hour": 4, "minute": 28}
